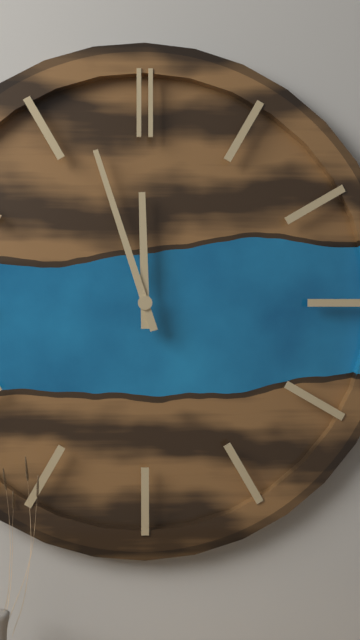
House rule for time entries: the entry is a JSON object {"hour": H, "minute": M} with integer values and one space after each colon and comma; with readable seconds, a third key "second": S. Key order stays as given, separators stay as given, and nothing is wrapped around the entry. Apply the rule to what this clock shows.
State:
{"hour": 11, "minute": 57}
